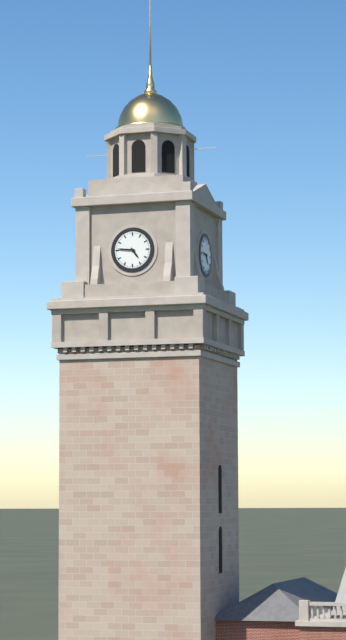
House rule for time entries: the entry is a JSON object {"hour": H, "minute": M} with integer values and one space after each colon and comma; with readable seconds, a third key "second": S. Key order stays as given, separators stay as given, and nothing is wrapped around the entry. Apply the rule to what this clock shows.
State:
{"hour": 4, "minute": 46}
